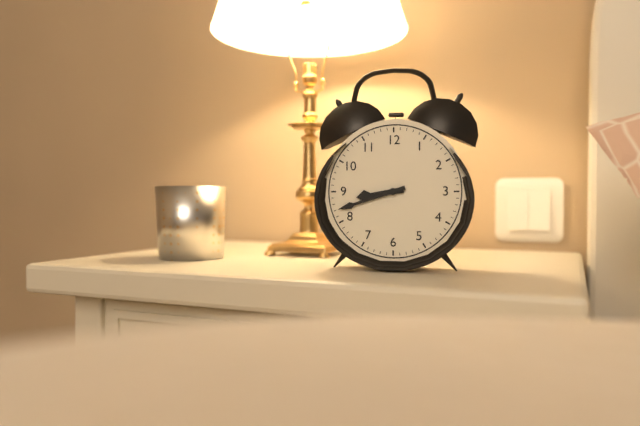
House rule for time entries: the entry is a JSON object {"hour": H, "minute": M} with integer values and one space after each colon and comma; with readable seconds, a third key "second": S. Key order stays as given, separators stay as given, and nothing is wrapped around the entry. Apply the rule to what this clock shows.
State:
{"hour": 8, "minute": 42}
